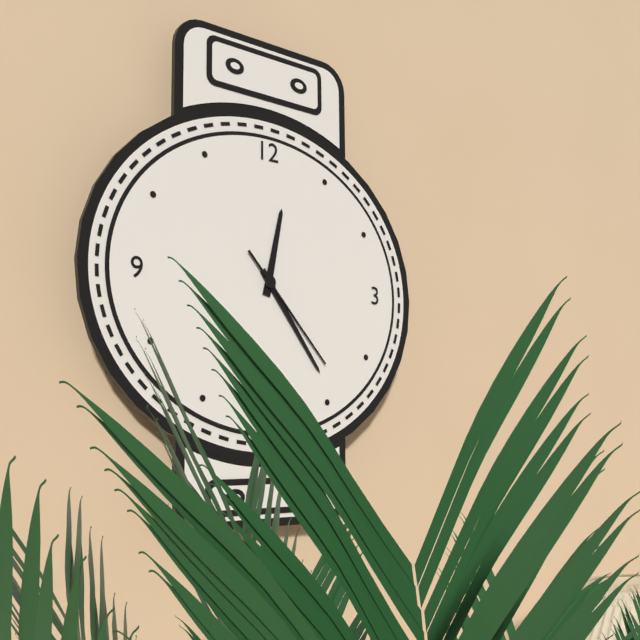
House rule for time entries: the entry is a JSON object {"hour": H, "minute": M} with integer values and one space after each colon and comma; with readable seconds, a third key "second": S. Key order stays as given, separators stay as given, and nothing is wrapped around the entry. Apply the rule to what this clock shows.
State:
{"hour": 12, "minute": 24, "second": 23}
